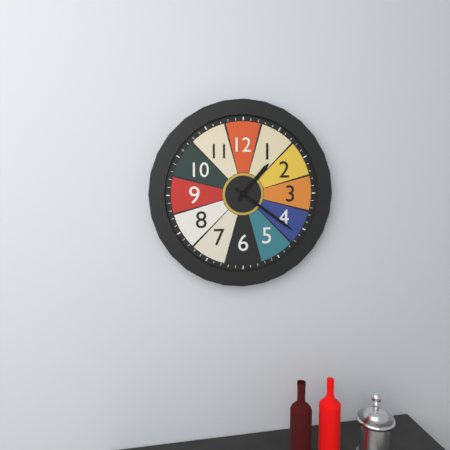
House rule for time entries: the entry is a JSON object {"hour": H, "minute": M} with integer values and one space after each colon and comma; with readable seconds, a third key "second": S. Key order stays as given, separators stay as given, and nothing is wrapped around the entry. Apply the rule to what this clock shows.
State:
{"hour": 1, "minute": 21}
